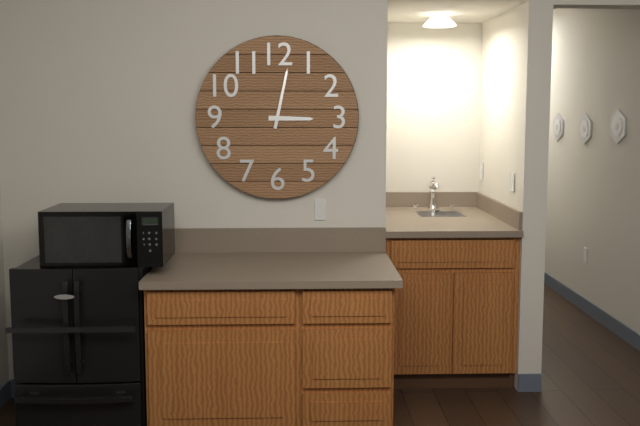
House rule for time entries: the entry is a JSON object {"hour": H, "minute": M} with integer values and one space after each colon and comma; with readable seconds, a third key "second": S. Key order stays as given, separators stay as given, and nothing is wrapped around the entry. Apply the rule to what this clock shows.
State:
{"hour": 3, "minute": 2}
